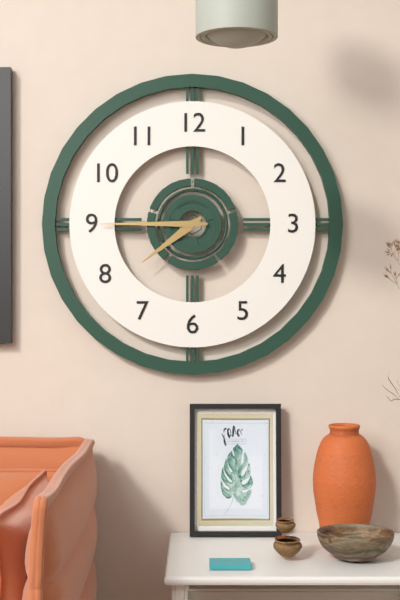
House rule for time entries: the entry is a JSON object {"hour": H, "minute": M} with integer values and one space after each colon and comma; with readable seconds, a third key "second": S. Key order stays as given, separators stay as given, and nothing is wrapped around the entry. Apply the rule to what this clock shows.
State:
{"hour": 7, "minute": 45}
